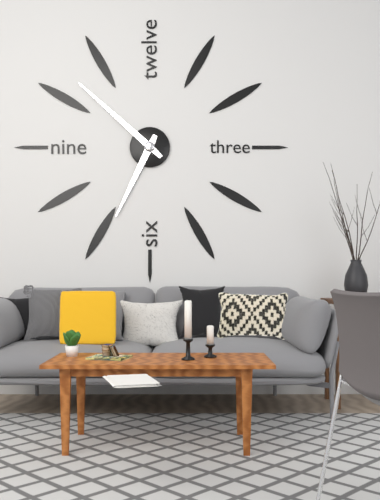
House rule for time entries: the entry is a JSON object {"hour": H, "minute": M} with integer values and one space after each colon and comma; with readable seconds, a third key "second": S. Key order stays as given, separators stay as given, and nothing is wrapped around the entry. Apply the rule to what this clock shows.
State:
{"hour": 6, "minute": 52}
